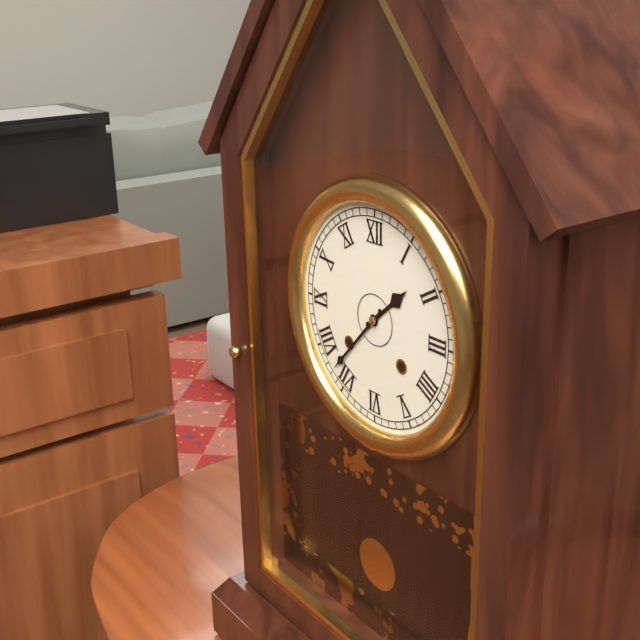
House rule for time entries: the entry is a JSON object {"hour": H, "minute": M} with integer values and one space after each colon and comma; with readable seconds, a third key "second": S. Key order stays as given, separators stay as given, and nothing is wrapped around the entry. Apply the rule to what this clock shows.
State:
{"hour": 1, "minute": 37}
